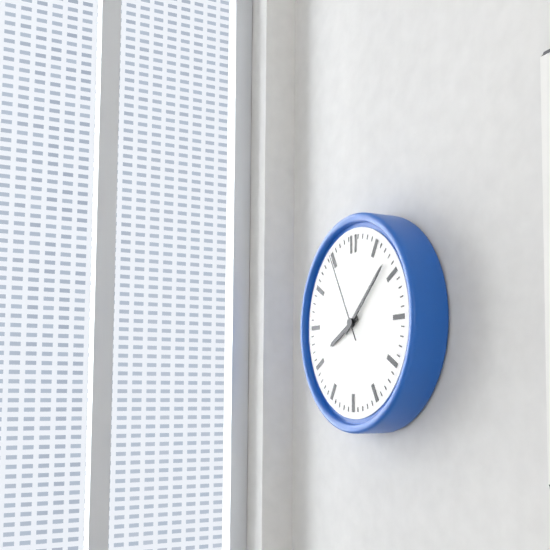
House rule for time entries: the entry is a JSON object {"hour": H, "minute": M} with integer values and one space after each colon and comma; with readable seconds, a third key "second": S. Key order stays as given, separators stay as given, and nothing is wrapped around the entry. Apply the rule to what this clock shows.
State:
{"hour": 8, "minute": 8, "second": 55}
